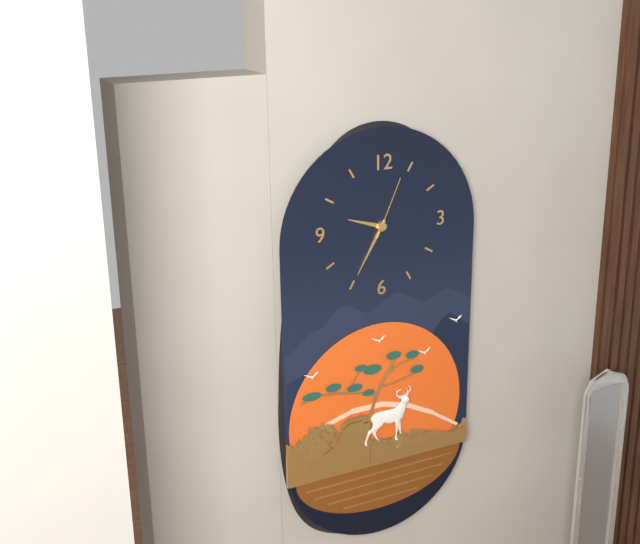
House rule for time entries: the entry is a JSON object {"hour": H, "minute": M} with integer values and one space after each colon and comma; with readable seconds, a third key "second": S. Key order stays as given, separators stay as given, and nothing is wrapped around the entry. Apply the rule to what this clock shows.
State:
{"hour": 9, "minute": 35, "second": 4}
